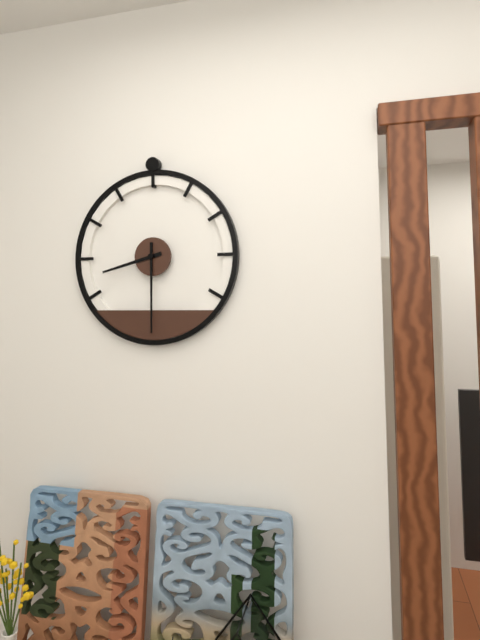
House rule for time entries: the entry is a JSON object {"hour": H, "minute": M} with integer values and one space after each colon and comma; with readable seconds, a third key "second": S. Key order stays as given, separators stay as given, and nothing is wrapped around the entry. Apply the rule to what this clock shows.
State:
{"hour": 8, "minute": 30}
